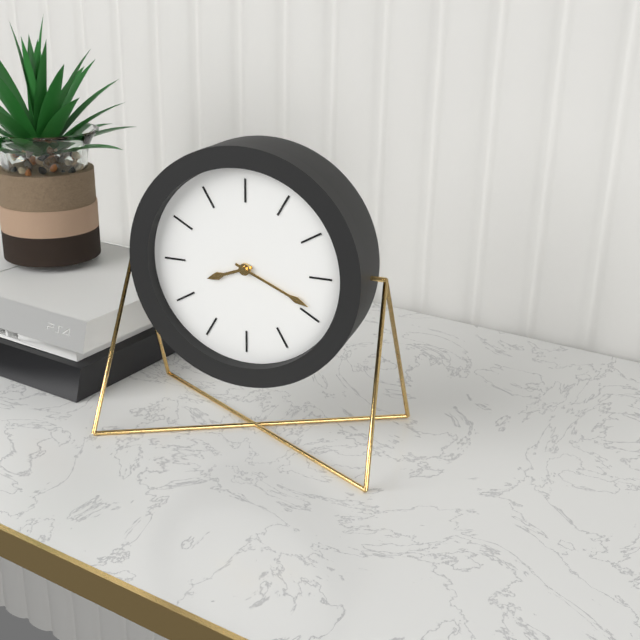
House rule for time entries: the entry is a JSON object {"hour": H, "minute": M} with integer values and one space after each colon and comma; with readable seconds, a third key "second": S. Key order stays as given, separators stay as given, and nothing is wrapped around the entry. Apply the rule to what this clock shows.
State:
{"hour": 8, "minute": 19}
